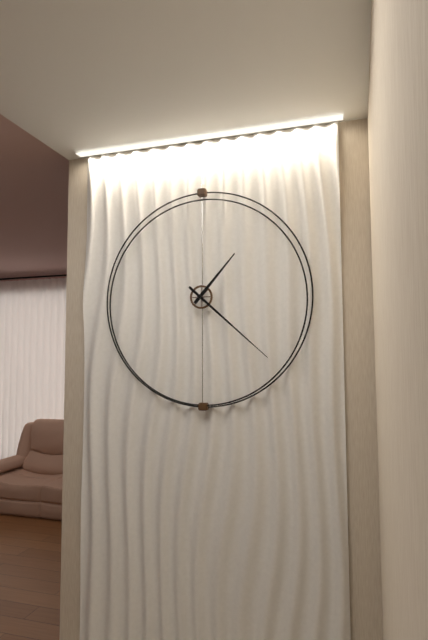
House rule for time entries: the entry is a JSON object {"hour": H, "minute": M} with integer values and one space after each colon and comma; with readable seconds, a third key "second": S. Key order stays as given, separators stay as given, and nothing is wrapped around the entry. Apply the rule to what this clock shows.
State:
{"hour": 1, "minute": 22}
